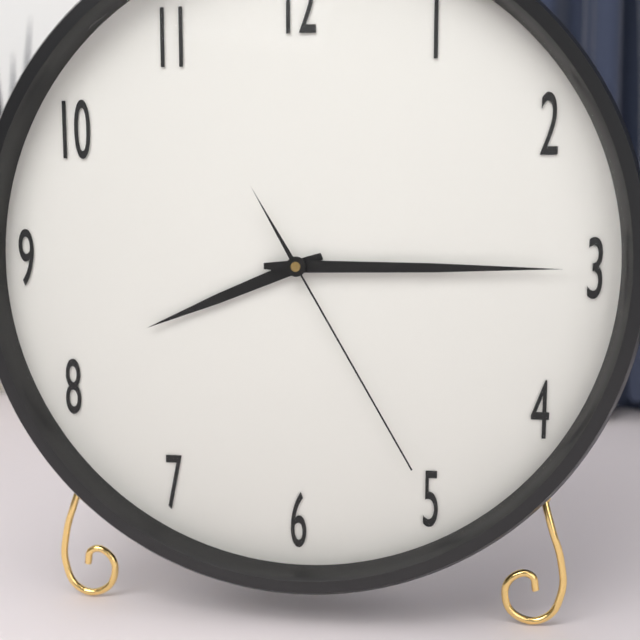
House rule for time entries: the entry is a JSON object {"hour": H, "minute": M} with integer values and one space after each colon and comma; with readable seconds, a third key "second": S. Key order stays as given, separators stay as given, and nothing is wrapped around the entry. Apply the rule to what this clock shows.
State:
{"hour": 8, "minute": 15, "second": 25}
